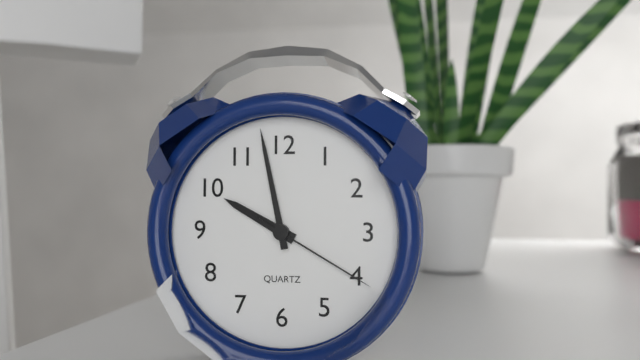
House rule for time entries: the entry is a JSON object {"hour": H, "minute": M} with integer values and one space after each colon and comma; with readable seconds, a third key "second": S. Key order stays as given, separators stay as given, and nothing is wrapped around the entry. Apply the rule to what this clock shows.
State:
{"hour": 9, "minute": 58, "second": 20}
